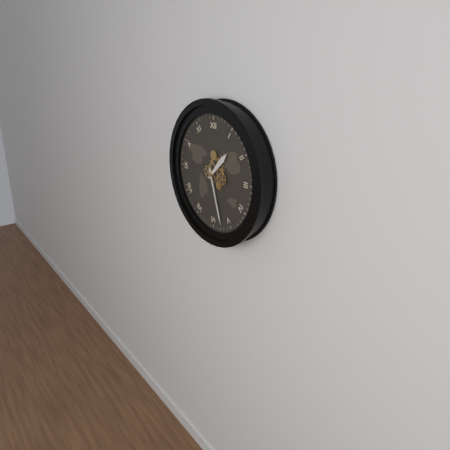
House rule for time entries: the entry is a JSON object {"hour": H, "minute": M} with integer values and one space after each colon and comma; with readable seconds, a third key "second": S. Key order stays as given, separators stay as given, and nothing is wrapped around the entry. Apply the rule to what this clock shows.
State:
{"hour": 1, "minute": 27}
